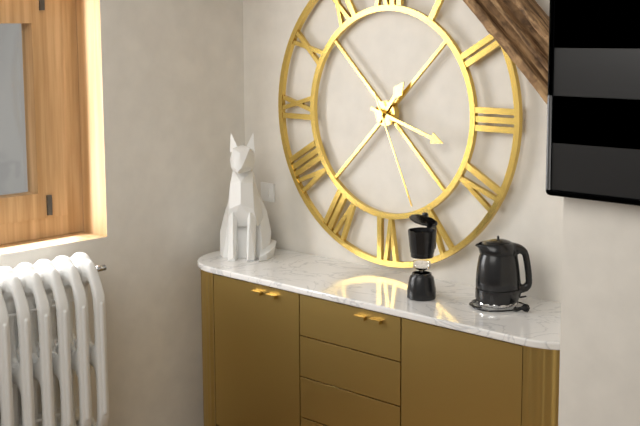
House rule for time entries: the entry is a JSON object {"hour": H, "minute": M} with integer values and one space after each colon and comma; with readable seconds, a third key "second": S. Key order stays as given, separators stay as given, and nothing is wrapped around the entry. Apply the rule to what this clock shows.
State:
{"hour": 1, "minute": 18, "second": 26}
